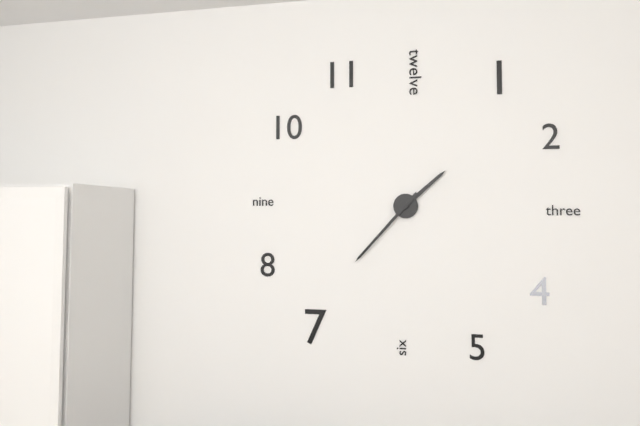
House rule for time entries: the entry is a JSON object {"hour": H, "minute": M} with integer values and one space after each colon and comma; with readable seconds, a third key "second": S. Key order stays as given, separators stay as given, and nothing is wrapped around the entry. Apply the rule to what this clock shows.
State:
{"hour": 1, "minute": 37}
